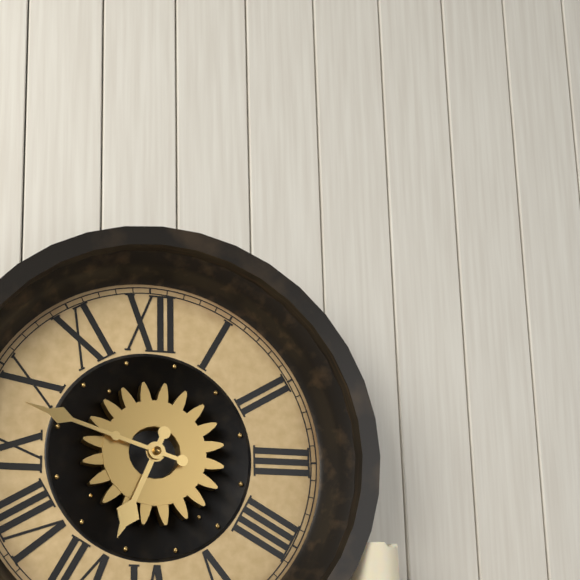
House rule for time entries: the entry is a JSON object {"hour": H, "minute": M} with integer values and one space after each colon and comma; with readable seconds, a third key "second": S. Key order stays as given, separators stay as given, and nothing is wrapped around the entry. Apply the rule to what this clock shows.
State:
{"hour": 6, "minute": 48}
